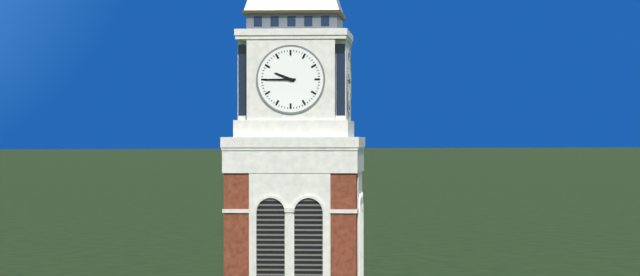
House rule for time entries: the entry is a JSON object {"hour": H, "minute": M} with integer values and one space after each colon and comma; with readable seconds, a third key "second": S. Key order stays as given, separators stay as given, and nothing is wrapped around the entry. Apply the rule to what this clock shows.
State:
{"hour": 9, "minute": 45}
